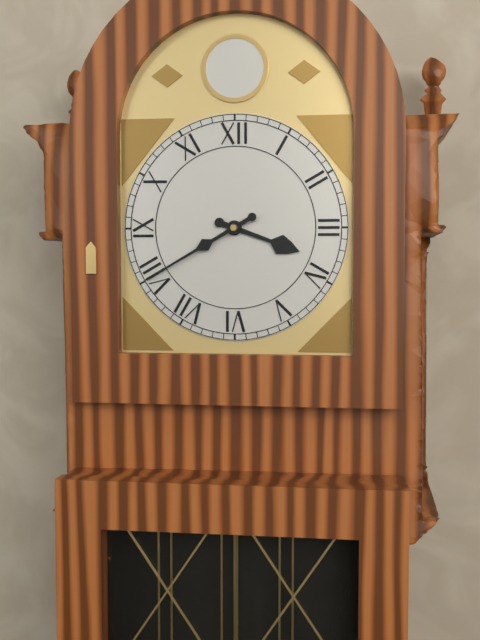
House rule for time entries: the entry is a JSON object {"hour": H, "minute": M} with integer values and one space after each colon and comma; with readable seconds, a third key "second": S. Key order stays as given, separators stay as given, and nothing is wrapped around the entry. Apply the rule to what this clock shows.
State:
{"hour": 3, "minute": 40}
